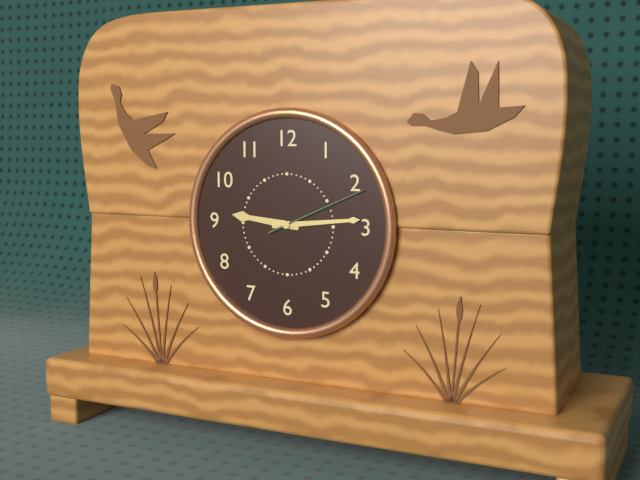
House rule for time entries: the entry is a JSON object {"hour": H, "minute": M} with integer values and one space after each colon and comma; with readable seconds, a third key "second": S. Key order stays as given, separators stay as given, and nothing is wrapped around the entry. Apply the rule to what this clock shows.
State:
{"hour": 9, "minute": 14, "second": 11}
